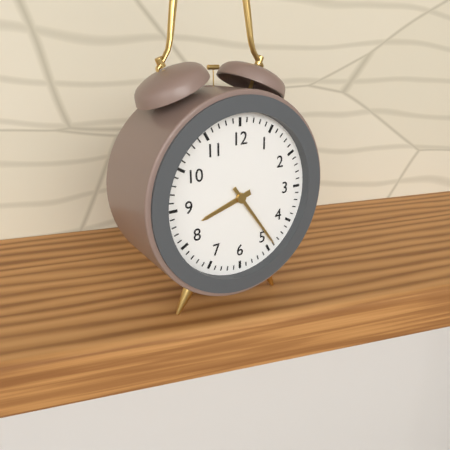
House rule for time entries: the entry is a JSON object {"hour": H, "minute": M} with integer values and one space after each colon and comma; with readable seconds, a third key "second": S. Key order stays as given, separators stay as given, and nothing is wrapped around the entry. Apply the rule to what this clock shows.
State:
{"hour": 8, "minute": 24}
